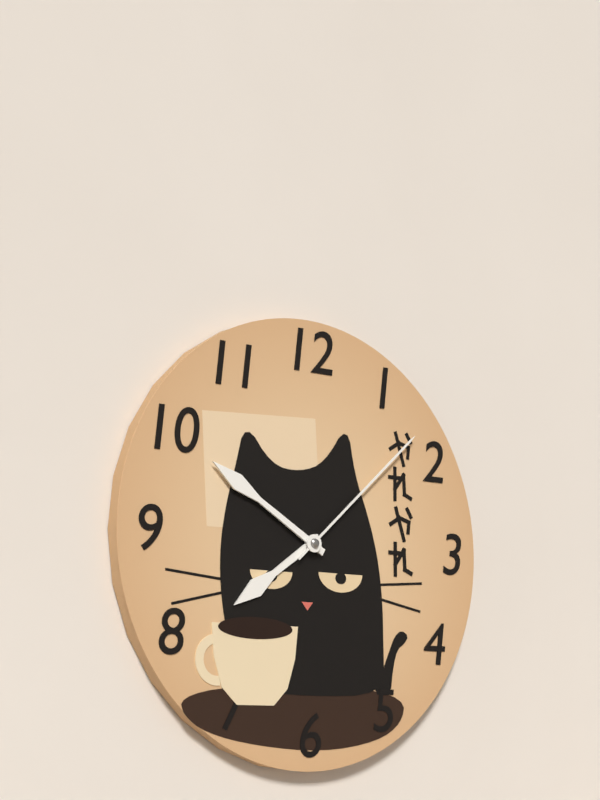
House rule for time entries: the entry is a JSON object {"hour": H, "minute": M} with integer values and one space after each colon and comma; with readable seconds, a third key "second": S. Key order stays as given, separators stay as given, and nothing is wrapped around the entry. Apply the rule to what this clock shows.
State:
{"hour": 7, "minute": 50, "second": 8}
